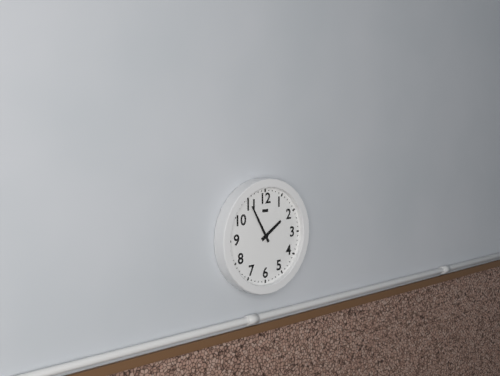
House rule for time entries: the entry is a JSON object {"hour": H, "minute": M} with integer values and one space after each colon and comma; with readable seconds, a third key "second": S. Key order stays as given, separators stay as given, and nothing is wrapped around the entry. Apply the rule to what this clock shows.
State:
{"hour": 1, "minute": 55}
